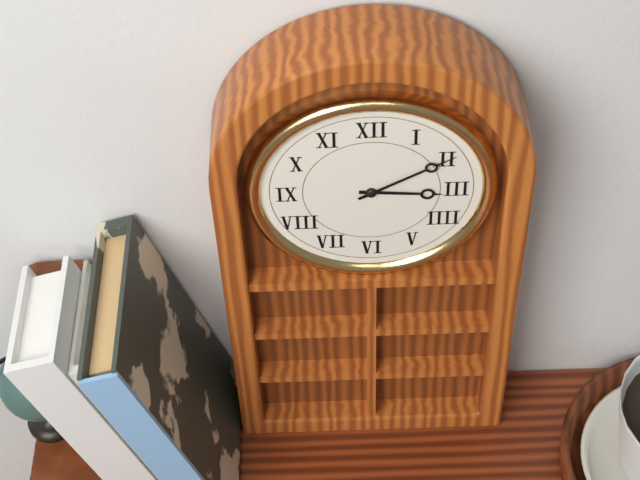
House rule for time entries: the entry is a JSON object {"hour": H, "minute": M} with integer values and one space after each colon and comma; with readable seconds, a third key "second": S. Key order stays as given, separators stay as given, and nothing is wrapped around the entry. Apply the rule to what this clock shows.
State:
{"hour": 3, "minute": 10}
